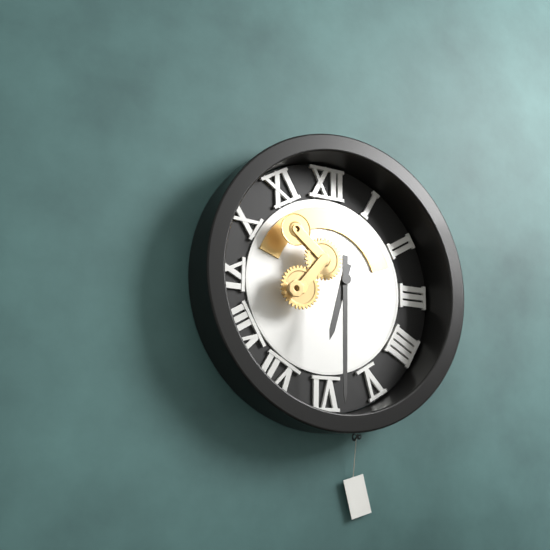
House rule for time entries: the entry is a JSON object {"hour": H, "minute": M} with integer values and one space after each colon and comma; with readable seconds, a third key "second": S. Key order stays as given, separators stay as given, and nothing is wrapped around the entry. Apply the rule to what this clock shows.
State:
{"hour": 6, "minute": 30}
